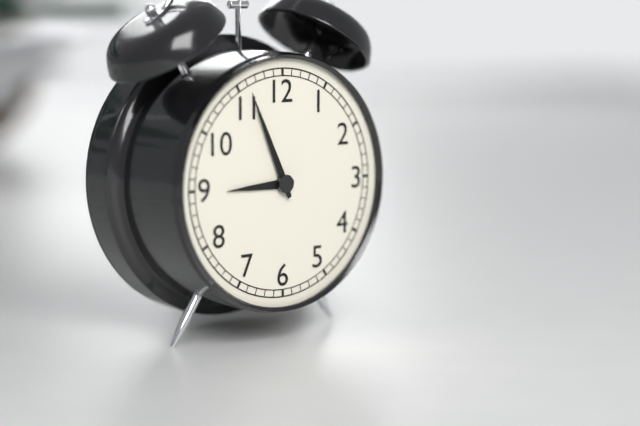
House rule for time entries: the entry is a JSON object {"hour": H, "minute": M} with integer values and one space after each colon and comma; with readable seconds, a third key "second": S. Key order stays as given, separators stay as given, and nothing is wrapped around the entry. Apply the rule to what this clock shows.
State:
{"hour": 8, "minute": 56}
